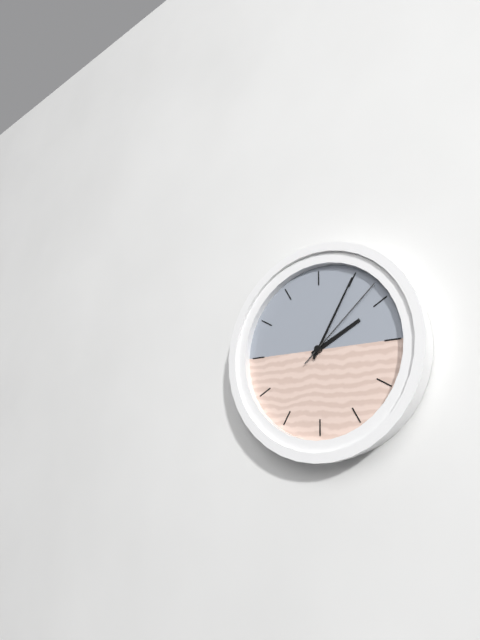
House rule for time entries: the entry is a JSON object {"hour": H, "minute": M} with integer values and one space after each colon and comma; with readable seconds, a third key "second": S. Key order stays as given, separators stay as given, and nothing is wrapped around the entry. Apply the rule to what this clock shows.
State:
{"hour": 2, "minute": 5, "second": 8}
